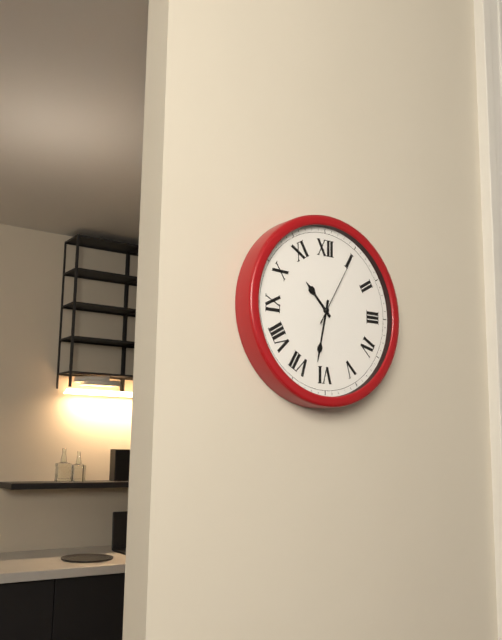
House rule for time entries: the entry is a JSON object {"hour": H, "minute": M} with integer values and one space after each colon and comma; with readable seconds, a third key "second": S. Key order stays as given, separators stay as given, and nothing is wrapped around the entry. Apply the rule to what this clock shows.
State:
{"hour": 10, "minute": 32, "second": 5}
